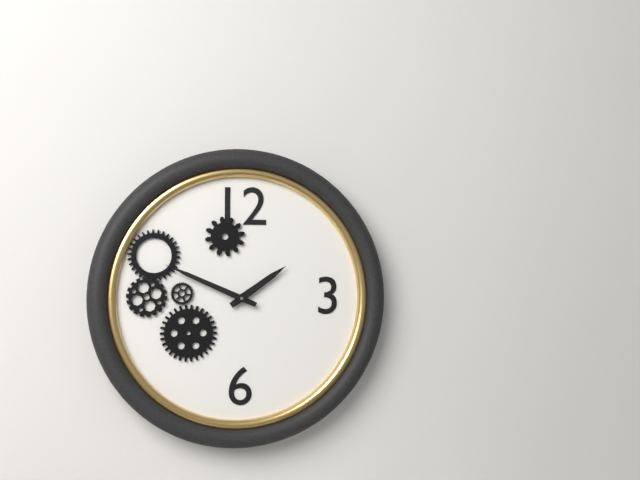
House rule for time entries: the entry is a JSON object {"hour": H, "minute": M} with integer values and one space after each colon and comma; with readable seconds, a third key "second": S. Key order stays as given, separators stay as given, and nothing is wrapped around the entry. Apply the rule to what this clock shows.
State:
{"hour": 1, "minute": 49}
